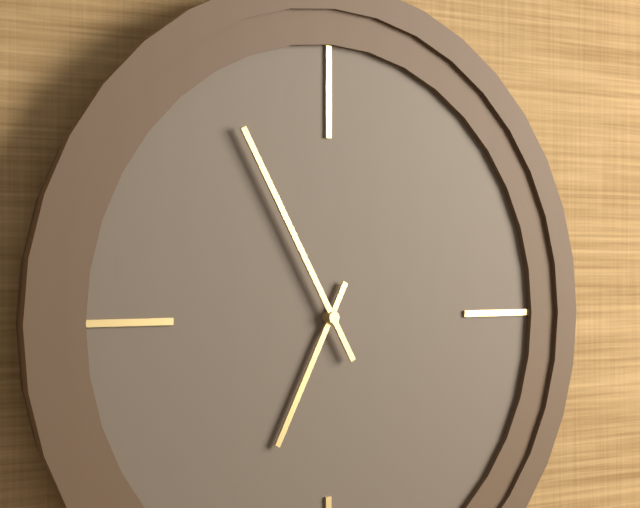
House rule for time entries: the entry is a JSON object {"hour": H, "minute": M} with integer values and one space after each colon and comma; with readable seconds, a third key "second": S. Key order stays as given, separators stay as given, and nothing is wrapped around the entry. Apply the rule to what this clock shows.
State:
{"hour": 6, "minute": 55}
